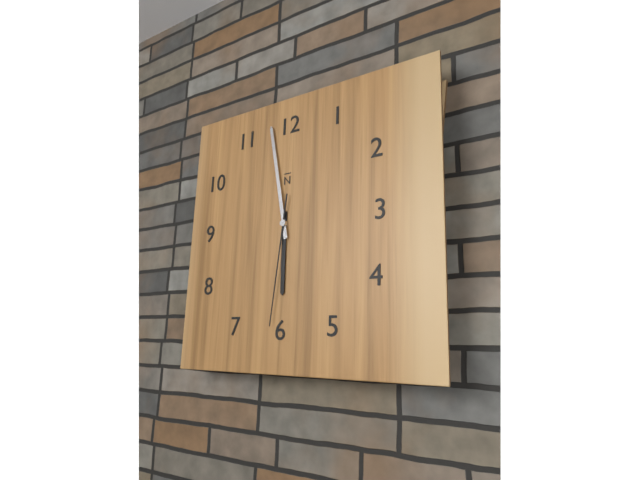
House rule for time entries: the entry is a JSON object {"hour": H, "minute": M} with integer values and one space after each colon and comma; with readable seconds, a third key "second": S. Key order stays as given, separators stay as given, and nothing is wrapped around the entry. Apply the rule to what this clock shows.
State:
{"hour": 5, "minute": 58, "second": 31}
